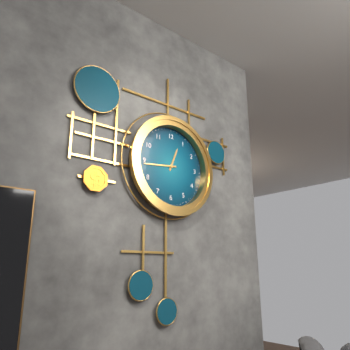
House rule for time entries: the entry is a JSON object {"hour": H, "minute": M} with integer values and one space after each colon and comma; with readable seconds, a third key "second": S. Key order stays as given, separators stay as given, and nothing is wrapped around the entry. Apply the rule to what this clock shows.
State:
{"hour": 12, "minute": 44}
